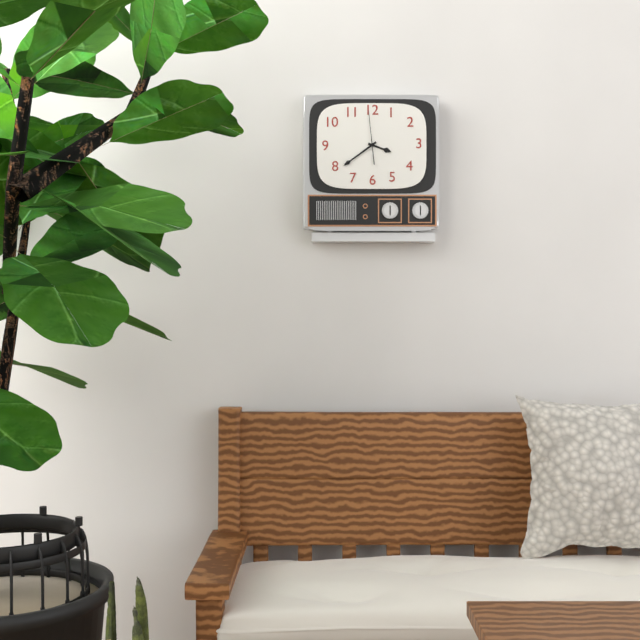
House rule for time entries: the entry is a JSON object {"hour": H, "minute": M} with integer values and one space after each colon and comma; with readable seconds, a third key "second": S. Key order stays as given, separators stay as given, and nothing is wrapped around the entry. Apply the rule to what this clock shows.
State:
{"hour": 3, "minute": 39}
